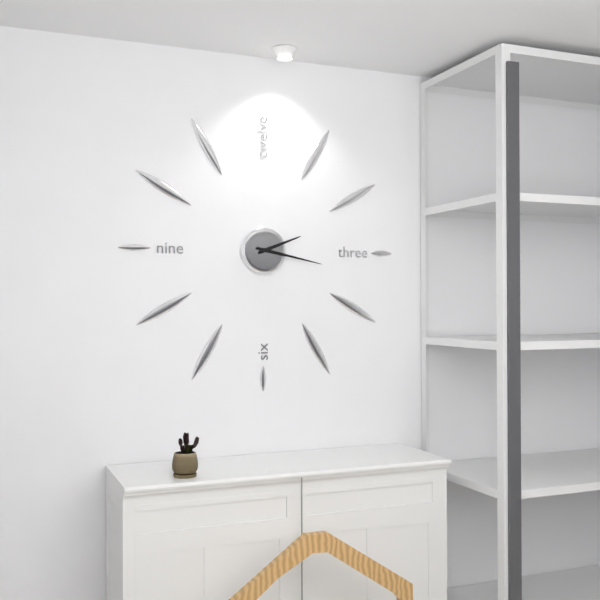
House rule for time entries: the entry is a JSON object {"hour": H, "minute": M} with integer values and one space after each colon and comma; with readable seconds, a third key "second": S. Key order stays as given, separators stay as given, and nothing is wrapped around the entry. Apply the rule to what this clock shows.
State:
{"hour": 2, "minute": 17}
